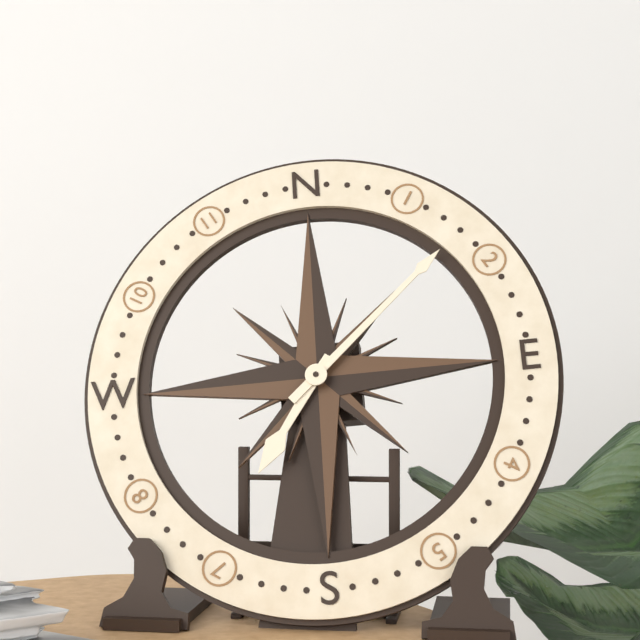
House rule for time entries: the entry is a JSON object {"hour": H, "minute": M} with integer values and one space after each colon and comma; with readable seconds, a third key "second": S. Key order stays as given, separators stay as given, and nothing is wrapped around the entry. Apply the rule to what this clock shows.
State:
{"hour": 7, "minute": 8}
